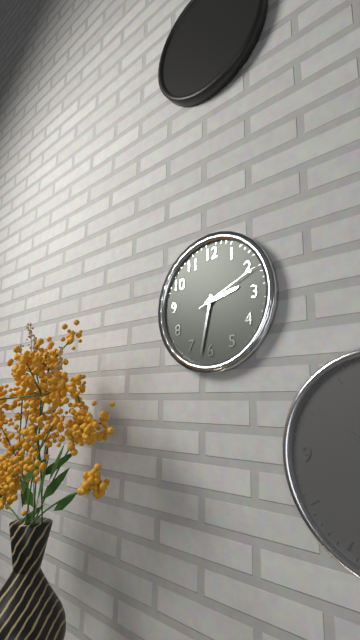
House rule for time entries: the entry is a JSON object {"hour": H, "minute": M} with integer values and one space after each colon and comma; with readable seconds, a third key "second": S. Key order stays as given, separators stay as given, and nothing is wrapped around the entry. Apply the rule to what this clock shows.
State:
{"hour": 2, "minute": 32, "second": 11}
